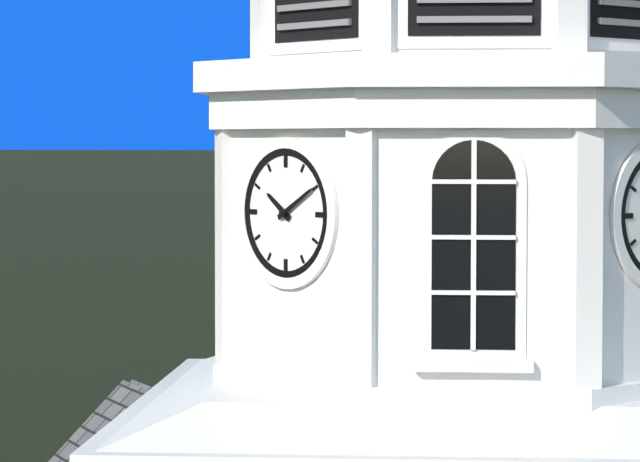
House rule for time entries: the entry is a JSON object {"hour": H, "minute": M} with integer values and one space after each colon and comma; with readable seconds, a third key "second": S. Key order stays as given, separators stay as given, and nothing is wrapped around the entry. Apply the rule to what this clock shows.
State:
{"hour": 10, "minute": 10}
